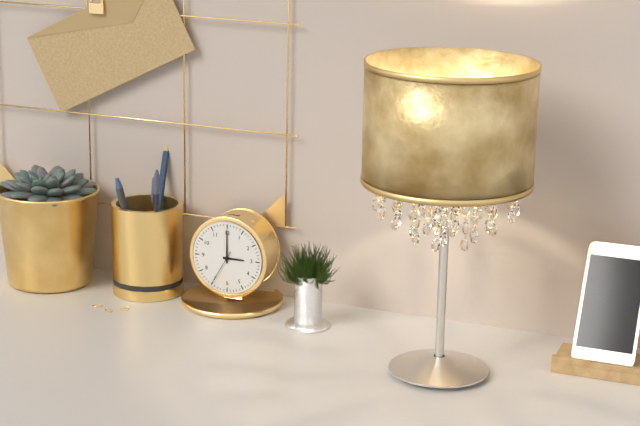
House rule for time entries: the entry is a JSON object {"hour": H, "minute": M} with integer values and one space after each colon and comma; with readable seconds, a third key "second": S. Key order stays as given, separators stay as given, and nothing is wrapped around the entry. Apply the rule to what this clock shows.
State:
{"hour": 3, "minute": 0}
